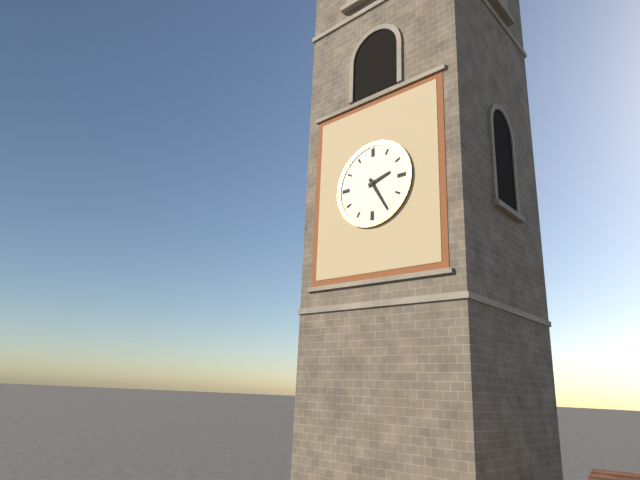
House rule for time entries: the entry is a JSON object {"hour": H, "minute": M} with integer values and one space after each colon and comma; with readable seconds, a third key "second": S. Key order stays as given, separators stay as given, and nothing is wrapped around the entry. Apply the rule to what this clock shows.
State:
{"hour": 2, "minute": 25}
